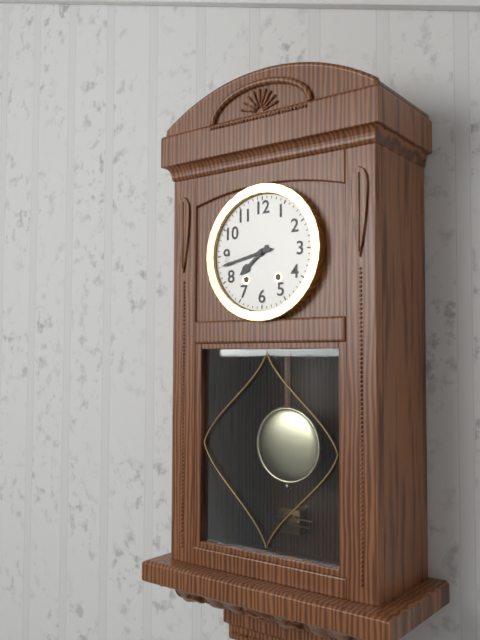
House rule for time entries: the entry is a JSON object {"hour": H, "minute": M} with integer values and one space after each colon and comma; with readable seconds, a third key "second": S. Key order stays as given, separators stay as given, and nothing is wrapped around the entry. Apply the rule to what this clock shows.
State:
{"hour": 7, "minute": 43}
